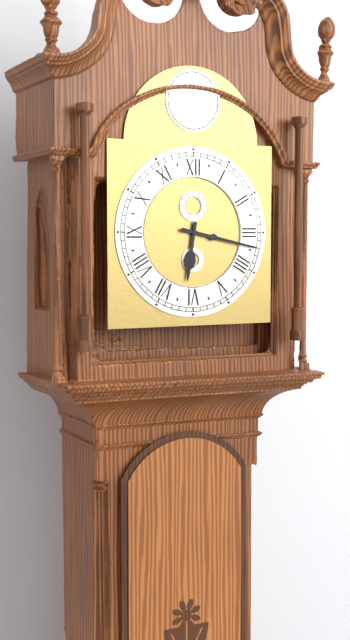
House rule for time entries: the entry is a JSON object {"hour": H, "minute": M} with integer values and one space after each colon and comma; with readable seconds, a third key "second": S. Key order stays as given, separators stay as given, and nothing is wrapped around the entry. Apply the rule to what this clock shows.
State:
{"hour": 6, "minute": 17}
